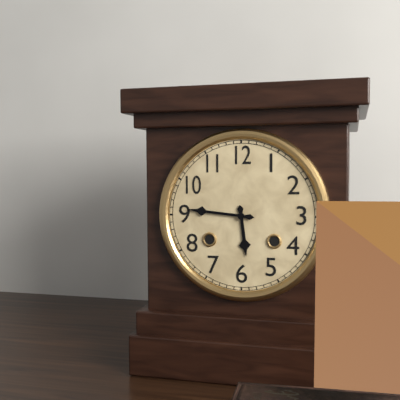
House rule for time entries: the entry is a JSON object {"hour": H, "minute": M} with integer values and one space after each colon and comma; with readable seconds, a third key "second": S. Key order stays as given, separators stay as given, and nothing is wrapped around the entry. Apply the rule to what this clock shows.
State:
{"hour": 5, "minute": 46}
